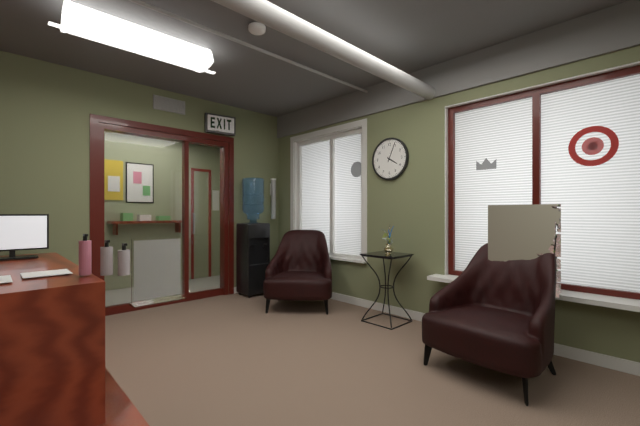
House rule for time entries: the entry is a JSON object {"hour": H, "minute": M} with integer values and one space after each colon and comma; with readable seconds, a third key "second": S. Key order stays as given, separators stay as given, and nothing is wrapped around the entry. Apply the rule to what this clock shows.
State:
{"hour": 4, "minute": 4}
